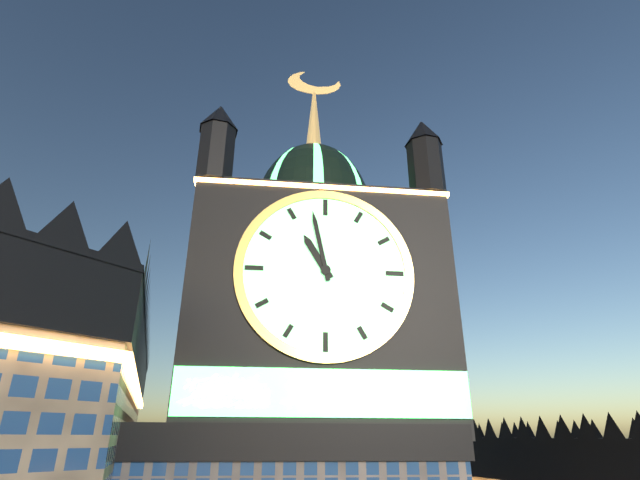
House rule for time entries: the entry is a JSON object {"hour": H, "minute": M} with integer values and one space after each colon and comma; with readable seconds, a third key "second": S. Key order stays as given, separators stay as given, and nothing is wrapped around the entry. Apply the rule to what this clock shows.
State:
{"hour": 10, "minute": 58}
